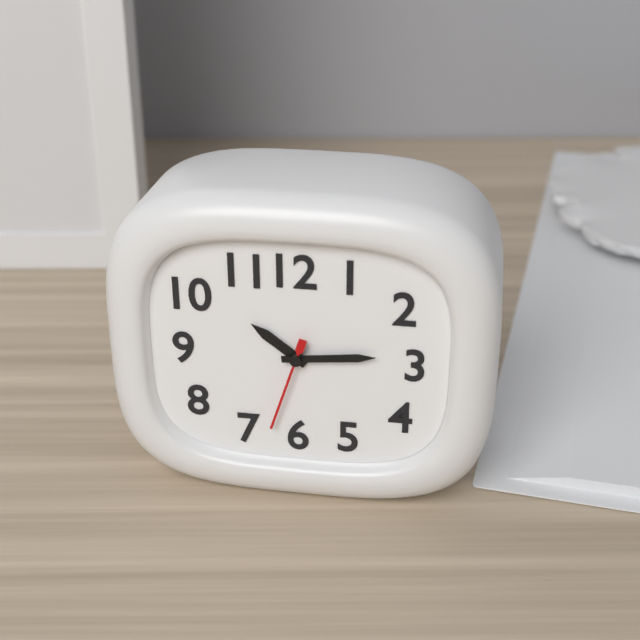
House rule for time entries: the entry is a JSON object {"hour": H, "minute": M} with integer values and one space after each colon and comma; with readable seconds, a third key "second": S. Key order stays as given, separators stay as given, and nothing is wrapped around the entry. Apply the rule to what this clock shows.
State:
{"hour": 10, "minute": 14, "second": 33}
